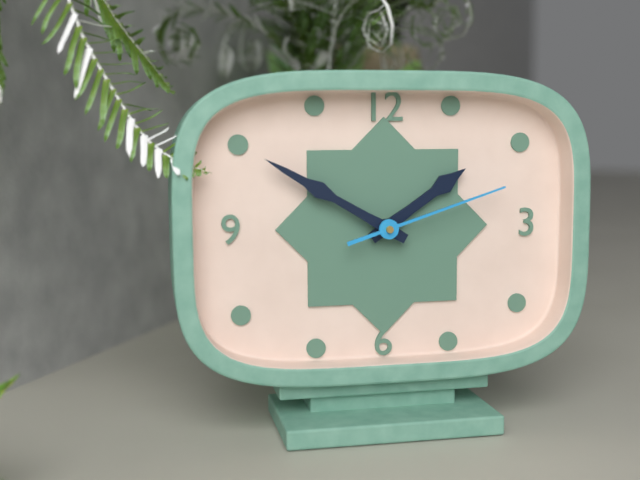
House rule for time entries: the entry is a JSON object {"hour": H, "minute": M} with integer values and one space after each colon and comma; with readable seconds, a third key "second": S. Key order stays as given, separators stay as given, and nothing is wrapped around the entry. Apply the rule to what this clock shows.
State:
{"hour": 1, "minute": 50, "second": 12}
